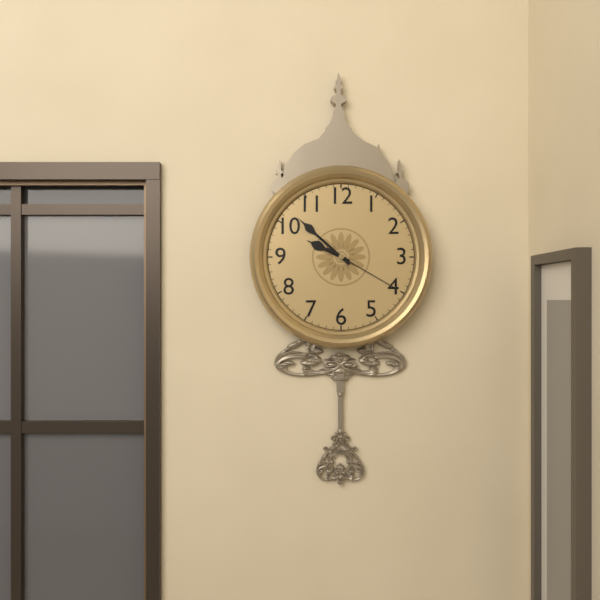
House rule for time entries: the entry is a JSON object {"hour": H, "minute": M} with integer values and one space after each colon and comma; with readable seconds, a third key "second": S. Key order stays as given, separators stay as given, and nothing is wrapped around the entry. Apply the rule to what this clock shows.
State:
{"hour": 9, "minute": 52, "second": 20}
